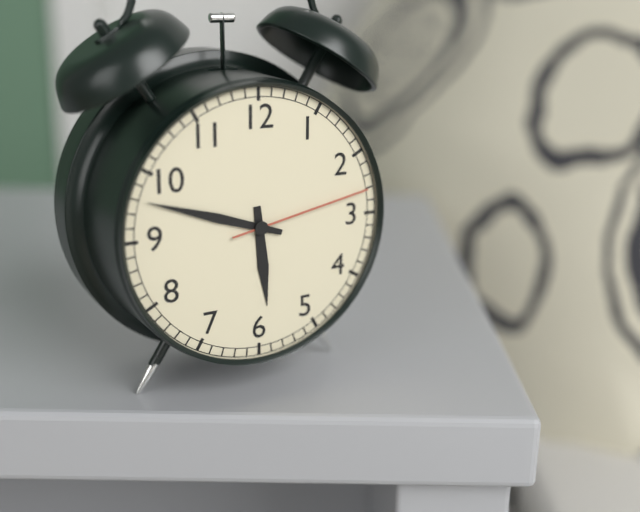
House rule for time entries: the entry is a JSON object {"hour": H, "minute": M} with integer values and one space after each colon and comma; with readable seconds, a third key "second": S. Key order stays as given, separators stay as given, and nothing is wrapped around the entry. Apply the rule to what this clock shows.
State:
{"hour": 5, "minute": 48, "second": 13}
